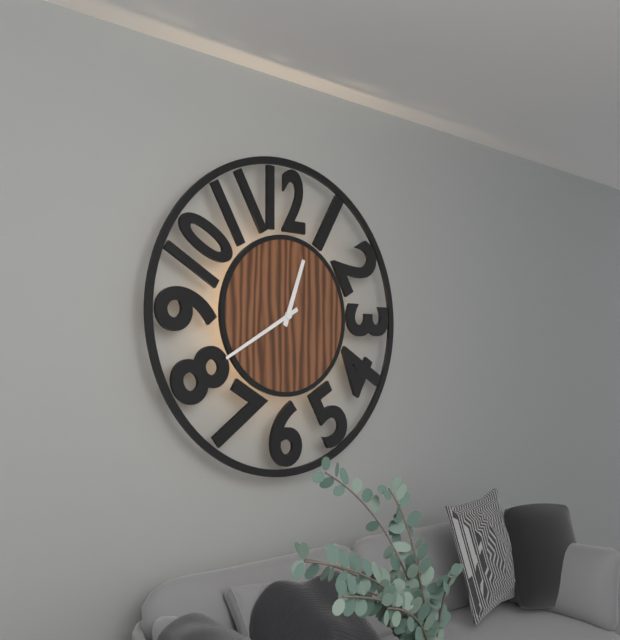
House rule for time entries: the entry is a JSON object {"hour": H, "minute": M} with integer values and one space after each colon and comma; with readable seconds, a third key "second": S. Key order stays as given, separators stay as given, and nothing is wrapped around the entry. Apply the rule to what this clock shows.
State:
{"hour": 12, "minute": 40}
